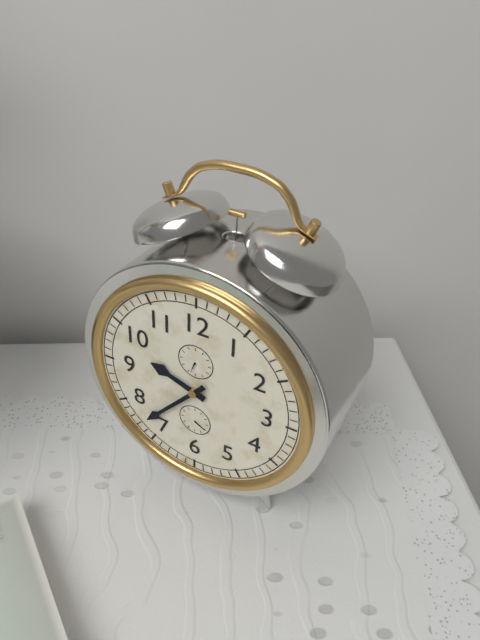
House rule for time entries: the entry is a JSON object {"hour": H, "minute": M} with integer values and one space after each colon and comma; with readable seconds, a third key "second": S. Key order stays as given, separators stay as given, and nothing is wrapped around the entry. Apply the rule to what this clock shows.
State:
{"hour": 9, "minute": 37}
